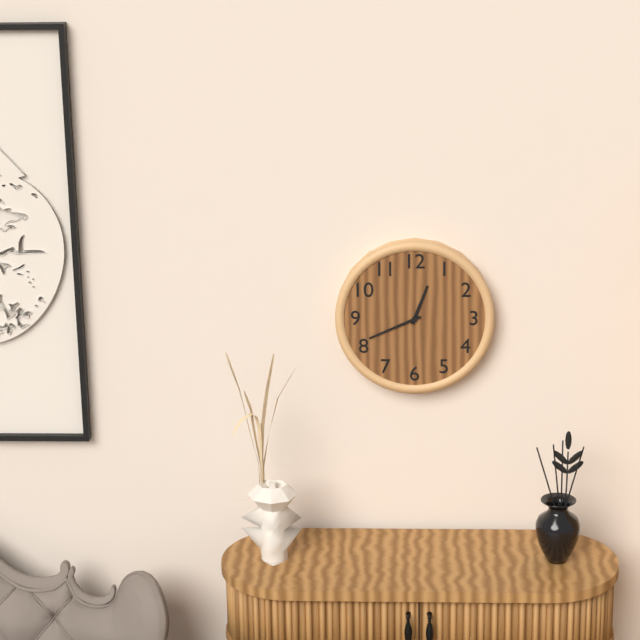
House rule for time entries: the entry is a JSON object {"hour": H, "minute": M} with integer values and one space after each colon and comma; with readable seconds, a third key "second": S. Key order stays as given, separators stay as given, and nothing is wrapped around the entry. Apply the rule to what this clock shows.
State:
{"hour": 12, "minute": 41}
